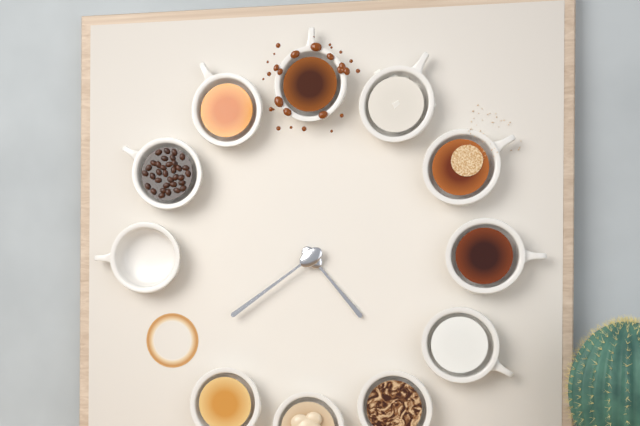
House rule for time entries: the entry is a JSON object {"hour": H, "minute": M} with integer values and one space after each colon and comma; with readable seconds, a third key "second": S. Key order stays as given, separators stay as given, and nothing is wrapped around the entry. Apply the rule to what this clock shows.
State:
{"hour": 4, "minute": 39}
